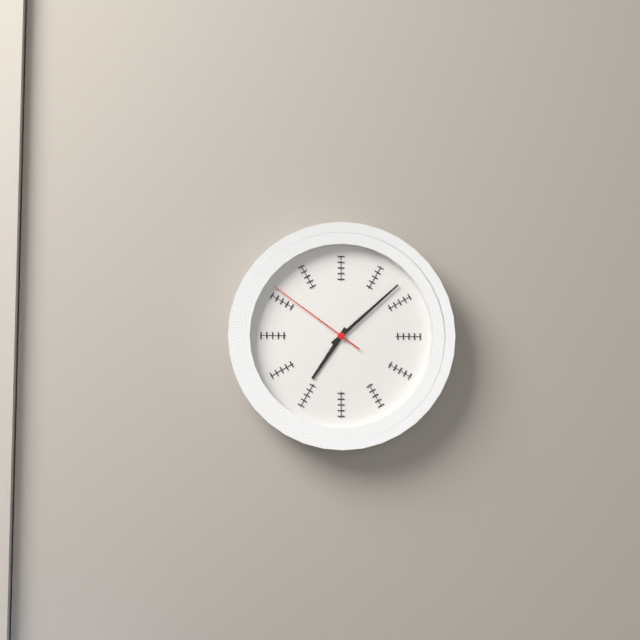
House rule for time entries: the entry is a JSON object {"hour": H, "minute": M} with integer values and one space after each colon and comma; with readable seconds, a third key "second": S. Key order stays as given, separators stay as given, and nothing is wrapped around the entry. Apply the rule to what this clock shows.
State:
{"hour": 7, "minute": 8, "second": 51}
